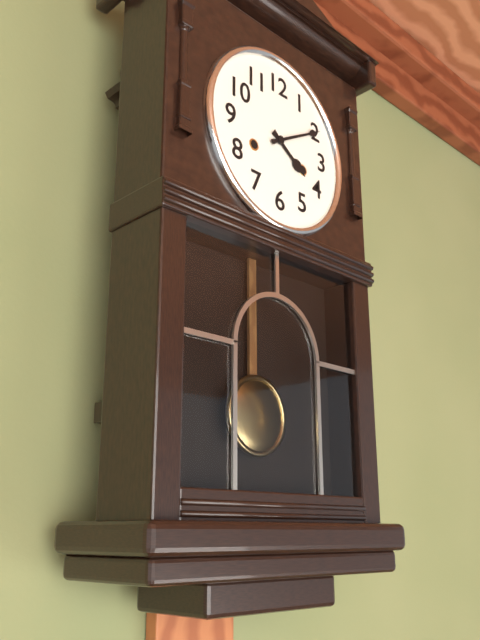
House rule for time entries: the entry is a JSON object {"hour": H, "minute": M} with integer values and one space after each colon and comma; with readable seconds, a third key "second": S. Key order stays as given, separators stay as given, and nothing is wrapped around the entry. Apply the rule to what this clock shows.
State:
{"hour": 4, "minute": 10}
